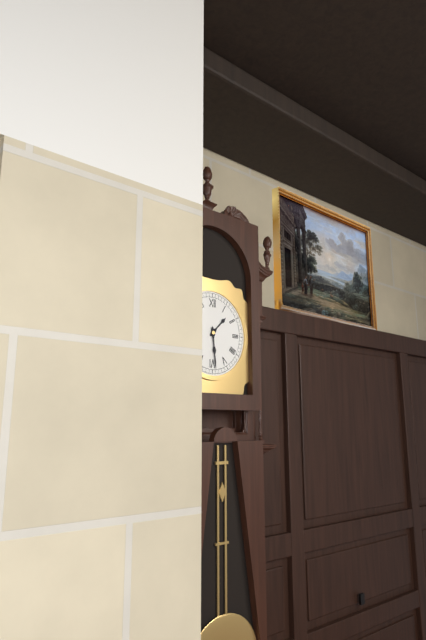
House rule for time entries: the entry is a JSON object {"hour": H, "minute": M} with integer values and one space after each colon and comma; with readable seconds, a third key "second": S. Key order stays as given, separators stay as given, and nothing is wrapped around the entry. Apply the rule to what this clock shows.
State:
{"hour": 1, "minute": 29}
